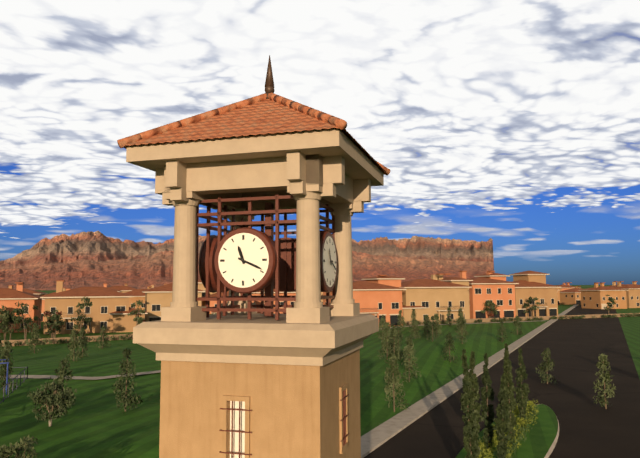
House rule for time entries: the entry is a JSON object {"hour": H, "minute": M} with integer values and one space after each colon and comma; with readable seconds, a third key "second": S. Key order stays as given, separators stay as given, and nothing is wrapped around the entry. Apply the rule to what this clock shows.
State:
{"hour": 11, "minute": 19}
